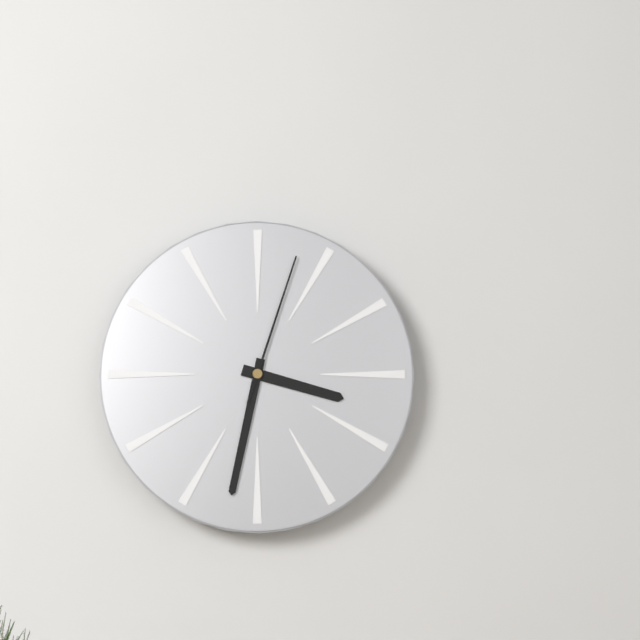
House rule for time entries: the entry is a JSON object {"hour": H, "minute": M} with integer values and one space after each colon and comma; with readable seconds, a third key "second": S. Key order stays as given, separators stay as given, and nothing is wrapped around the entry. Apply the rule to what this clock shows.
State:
{"hour": 3, "minute": 32, "second": 3}
